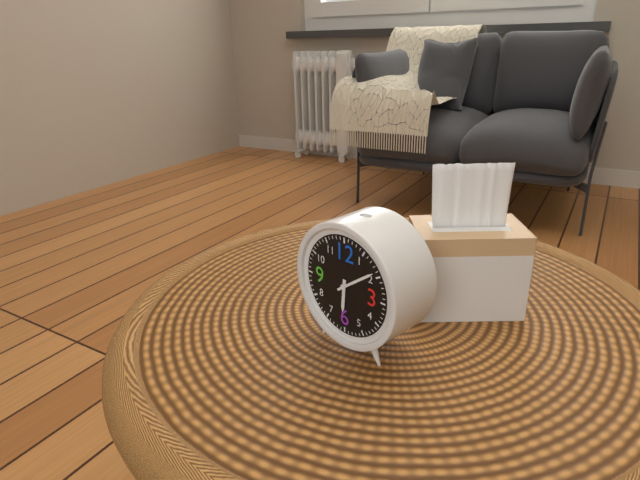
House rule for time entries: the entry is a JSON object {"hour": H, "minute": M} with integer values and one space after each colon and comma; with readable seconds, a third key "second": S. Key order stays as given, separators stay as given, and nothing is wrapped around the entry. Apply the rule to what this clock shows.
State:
{"hour": 6, "minute": 9}
